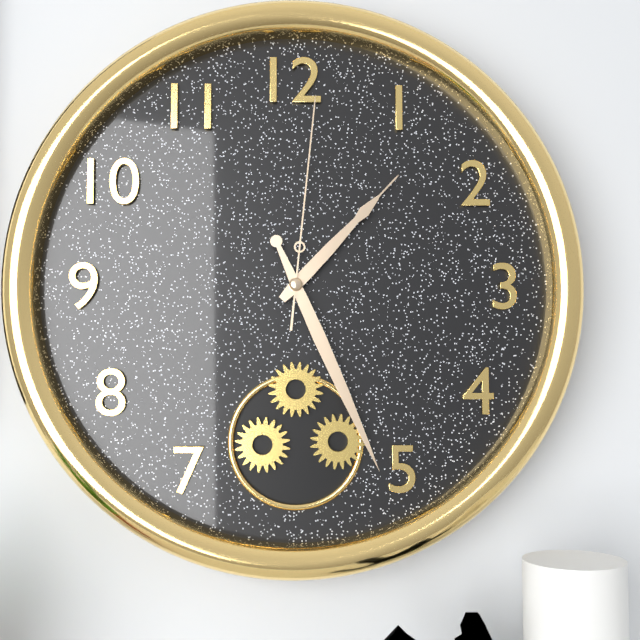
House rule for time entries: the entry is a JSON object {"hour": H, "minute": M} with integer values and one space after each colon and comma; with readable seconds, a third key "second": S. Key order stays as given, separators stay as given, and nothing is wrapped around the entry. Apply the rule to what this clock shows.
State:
{"hour": 1, "minute": 26, "second": 1}
